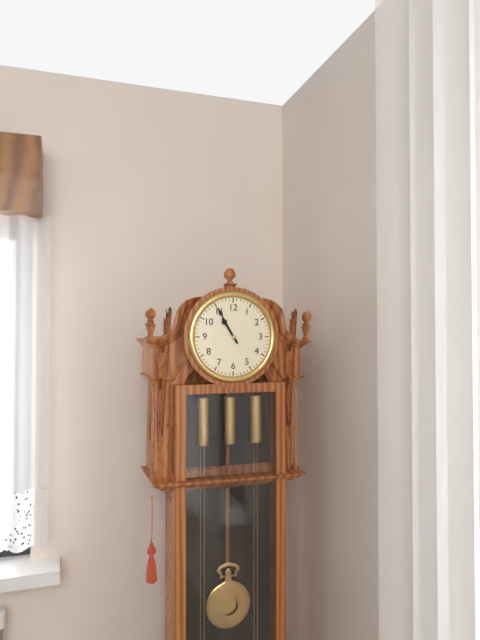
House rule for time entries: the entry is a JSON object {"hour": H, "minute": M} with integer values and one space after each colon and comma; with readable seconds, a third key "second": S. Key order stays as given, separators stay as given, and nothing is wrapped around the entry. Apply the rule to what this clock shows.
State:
{"hour": 10, "minute": 55}
